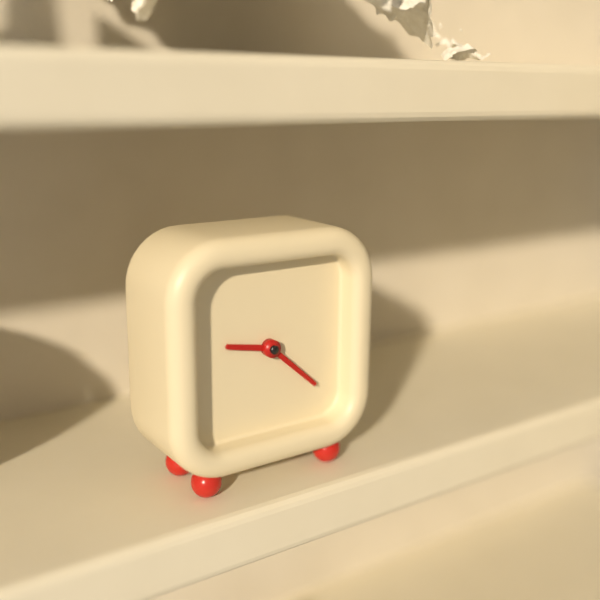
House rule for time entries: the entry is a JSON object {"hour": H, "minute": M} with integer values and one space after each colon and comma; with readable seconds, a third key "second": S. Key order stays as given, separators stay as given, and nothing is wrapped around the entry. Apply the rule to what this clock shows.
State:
{"hour": 9, "minute": 22}
